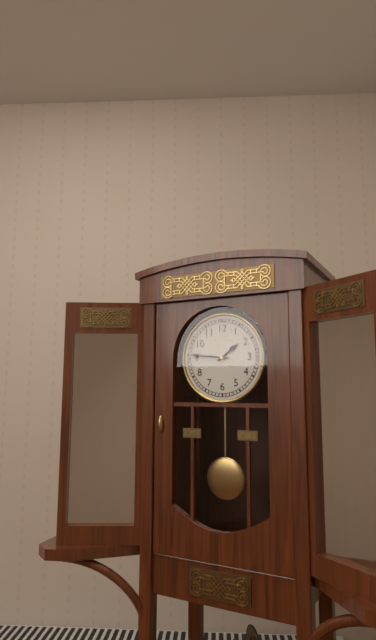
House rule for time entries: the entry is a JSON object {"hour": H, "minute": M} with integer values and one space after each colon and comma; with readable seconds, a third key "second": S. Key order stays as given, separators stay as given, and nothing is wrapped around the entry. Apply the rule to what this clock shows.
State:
{"hour": 1, "minute": 46}
